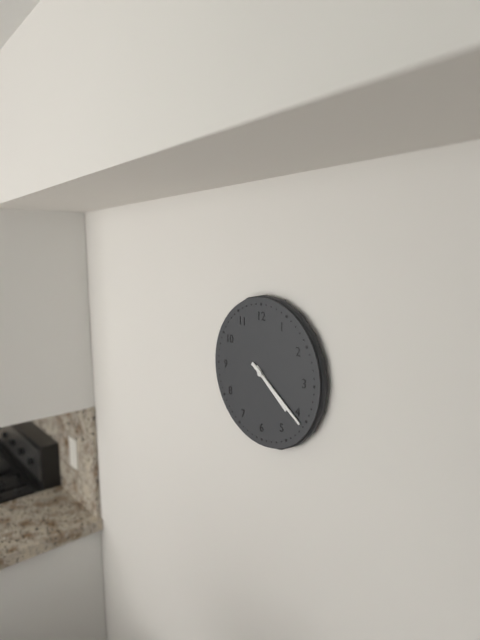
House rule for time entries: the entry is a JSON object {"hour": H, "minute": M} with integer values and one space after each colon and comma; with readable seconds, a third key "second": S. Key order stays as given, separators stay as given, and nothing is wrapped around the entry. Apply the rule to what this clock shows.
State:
{"hour": 4, "minute": 21}
